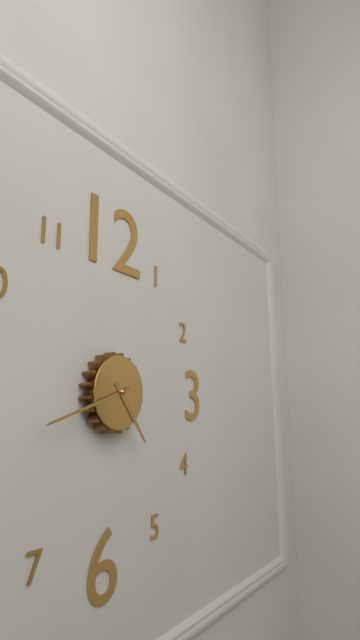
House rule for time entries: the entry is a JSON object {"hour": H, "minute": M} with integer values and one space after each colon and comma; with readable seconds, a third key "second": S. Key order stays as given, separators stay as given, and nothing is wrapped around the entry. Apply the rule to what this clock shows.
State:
{"hour": 4, "minute": 42}
